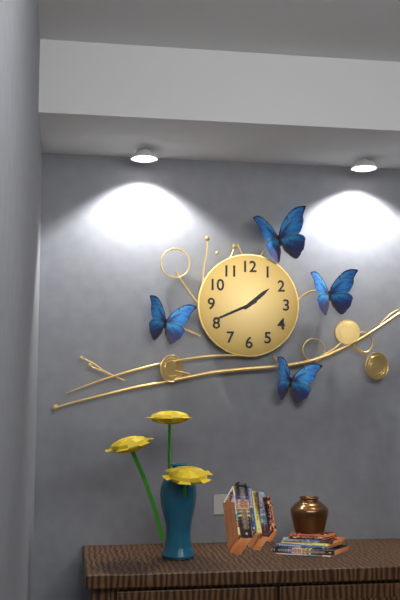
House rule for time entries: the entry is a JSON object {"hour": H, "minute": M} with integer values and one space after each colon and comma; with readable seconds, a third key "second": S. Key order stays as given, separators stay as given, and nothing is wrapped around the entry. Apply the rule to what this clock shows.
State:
{"hour": 1, "minute": 41}
